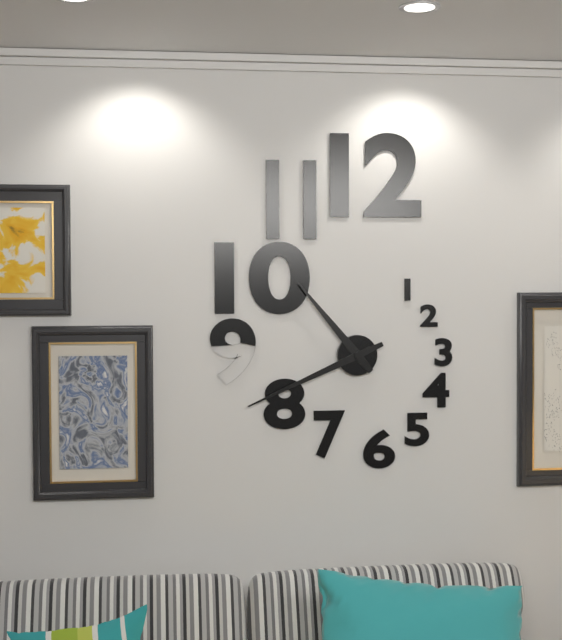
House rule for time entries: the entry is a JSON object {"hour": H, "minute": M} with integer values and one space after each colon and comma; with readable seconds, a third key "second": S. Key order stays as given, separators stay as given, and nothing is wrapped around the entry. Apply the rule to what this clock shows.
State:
{"hour": 10, "minute": 41}
